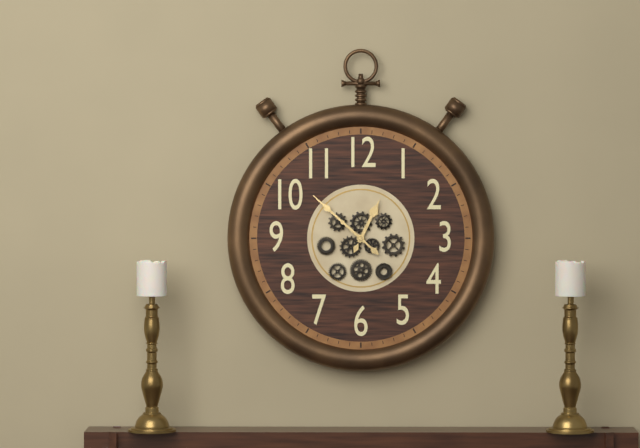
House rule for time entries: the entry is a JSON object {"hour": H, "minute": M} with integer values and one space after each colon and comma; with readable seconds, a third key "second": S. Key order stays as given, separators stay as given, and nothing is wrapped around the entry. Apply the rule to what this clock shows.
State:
{"hour": 12, "minute": 52}
